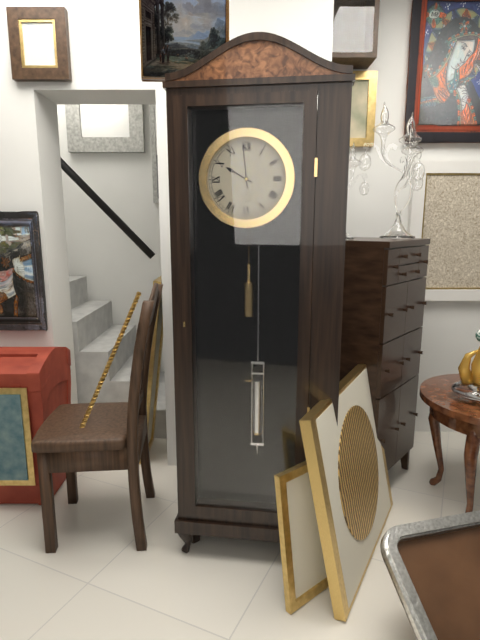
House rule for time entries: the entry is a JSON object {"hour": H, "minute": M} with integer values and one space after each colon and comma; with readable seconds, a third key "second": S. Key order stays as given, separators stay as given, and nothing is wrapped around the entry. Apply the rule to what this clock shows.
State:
{"hour": 9, "minute": 59}
